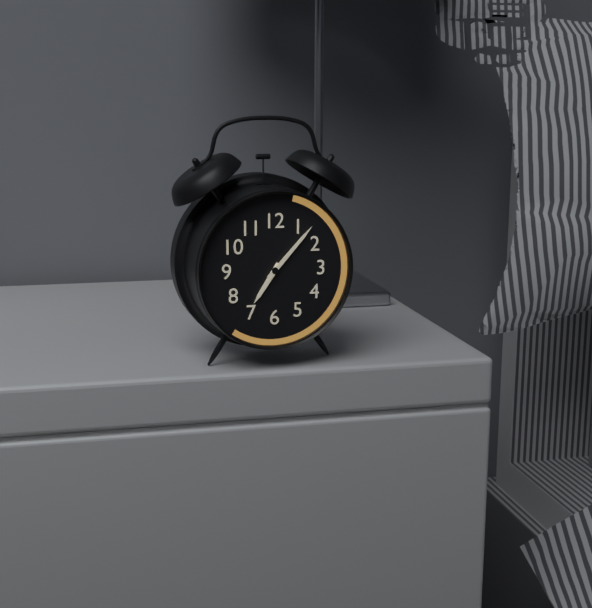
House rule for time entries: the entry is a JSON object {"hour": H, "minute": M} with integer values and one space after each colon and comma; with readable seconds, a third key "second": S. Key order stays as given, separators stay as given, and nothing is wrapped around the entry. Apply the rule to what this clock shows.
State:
{"hour": 7, "minute": 7}
